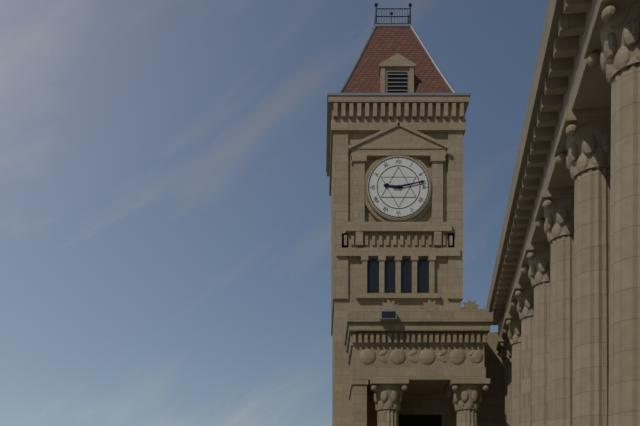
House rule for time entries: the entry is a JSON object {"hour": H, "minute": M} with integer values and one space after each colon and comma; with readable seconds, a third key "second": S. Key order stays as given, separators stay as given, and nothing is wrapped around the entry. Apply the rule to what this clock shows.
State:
{"hour": 9, "minute": 13}
